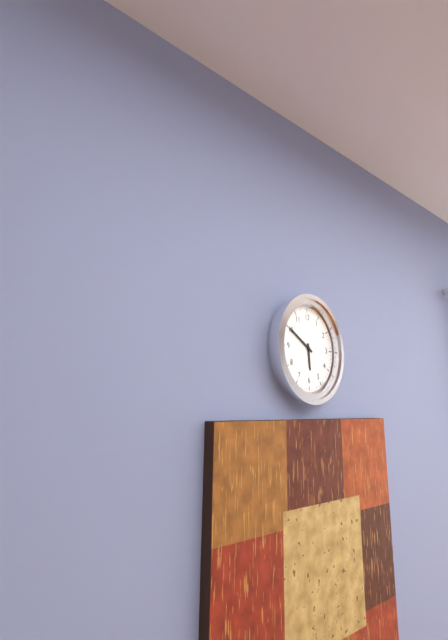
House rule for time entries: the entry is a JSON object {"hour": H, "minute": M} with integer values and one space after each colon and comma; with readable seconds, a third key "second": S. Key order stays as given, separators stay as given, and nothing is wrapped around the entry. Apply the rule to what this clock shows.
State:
{"hour": 5, "minute": 50}
